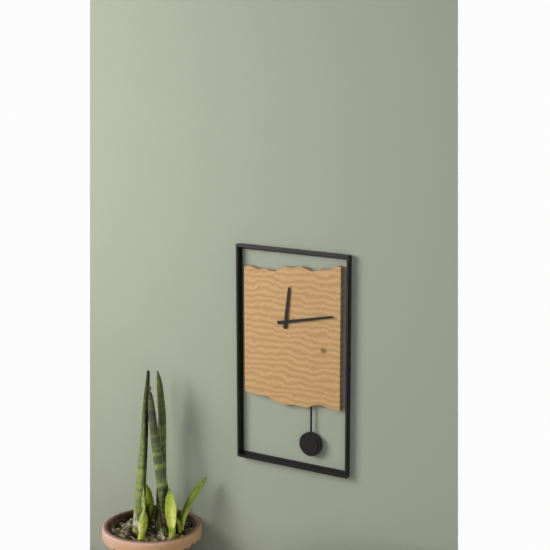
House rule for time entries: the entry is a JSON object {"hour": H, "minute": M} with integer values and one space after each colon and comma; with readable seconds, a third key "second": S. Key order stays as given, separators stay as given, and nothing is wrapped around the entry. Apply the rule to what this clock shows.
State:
{"hour": 12, "minute": 13}
